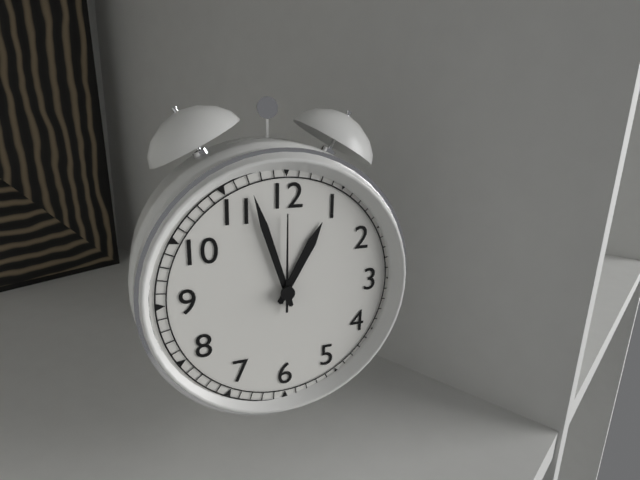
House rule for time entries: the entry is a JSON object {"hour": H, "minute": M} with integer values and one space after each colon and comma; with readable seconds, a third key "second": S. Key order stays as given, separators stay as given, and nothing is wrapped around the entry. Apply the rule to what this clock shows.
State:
{"hour": 12, "minute": 57, "second": 0}
